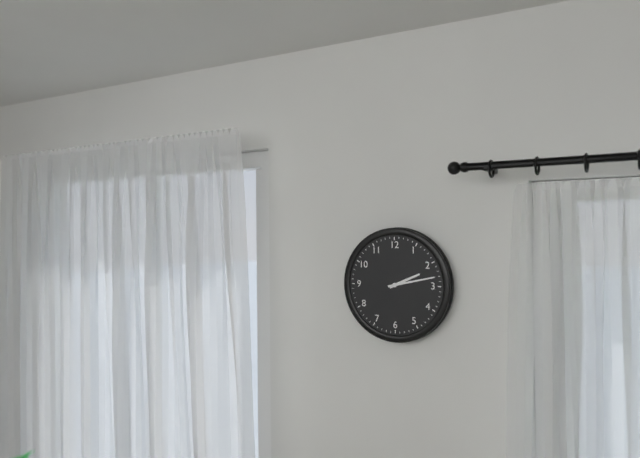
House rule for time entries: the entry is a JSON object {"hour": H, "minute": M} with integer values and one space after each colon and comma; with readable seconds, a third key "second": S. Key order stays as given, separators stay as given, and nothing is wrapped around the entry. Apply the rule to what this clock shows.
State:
{"hour": 2, "minute": 13}
